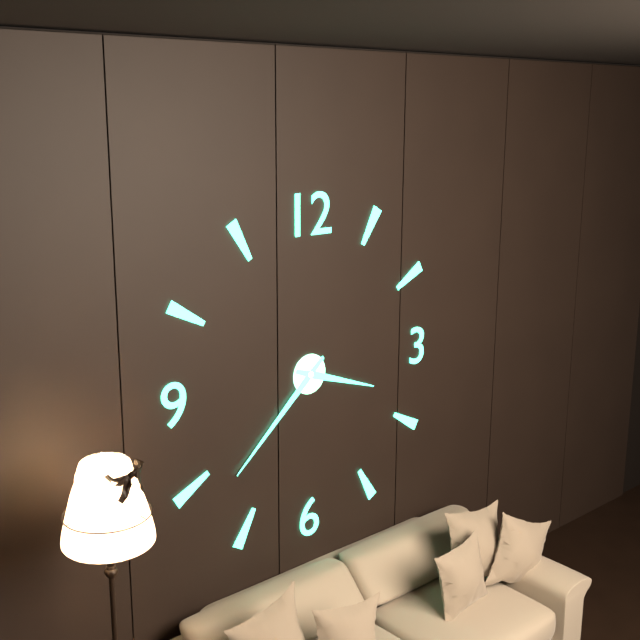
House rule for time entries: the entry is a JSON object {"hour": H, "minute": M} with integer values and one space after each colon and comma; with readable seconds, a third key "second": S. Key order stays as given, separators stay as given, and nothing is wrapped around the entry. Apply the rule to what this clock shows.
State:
{"hour": 3, "minute": 38}
